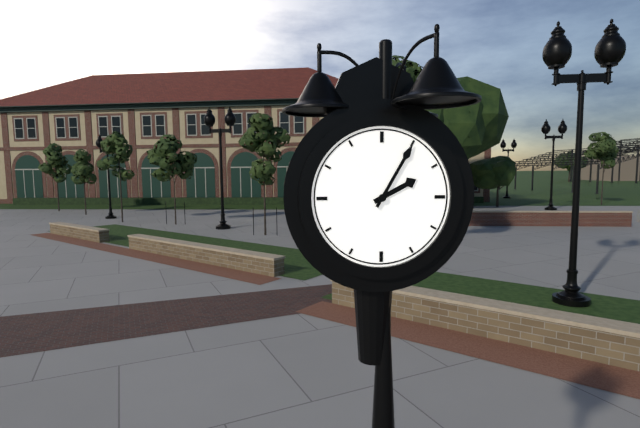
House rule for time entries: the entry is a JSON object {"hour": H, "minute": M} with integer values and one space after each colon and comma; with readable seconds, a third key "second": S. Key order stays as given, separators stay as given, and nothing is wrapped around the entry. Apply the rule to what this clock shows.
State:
{"hour": 2, "minute": 5}
